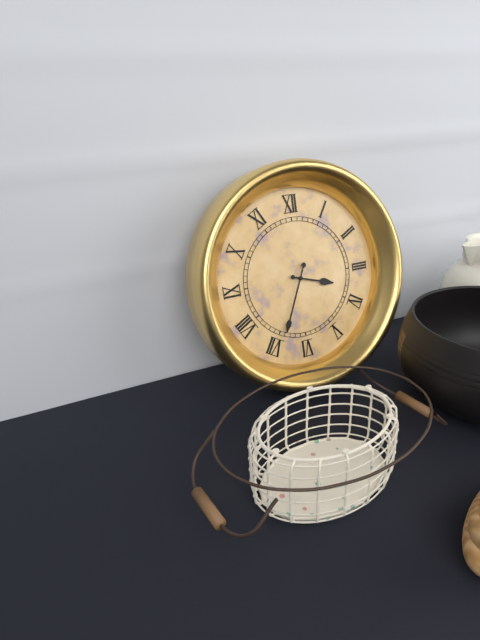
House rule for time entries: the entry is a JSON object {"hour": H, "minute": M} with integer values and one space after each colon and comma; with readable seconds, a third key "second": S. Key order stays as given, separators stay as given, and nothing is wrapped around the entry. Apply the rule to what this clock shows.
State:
{"hour": 3, "minute": 34}
